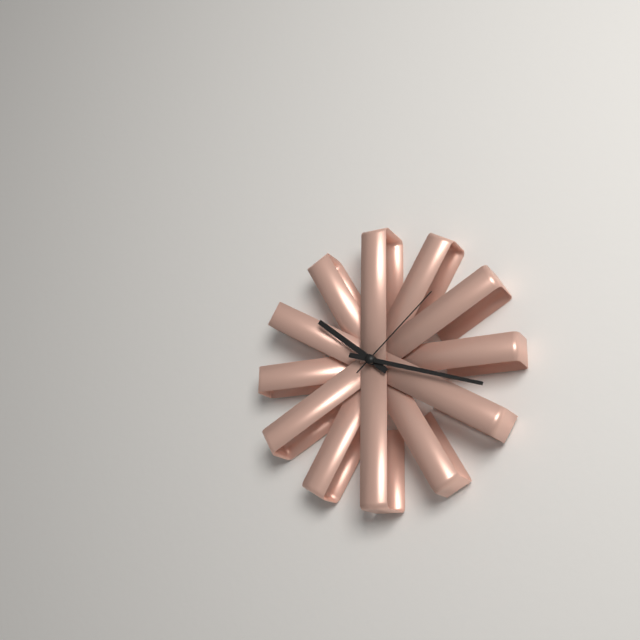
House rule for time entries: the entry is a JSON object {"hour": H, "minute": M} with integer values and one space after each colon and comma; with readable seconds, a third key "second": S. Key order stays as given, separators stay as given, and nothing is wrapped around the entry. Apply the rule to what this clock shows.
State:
{"hour": 10, "minute": 18, "second": 8}
